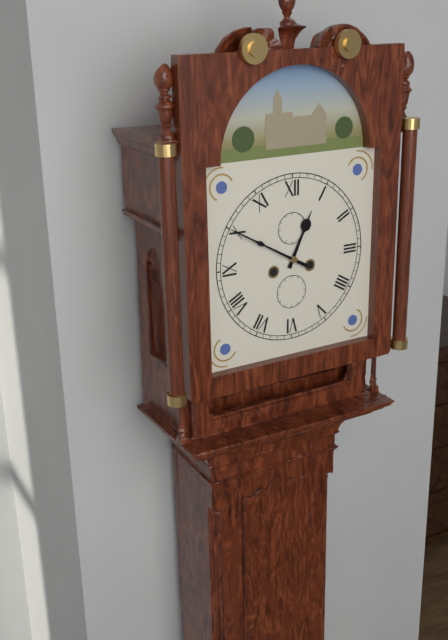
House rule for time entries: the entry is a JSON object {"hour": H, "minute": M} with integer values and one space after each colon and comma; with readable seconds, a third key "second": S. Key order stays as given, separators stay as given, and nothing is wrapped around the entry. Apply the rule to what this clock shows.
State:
{"hour": 12, "minute": 50}
